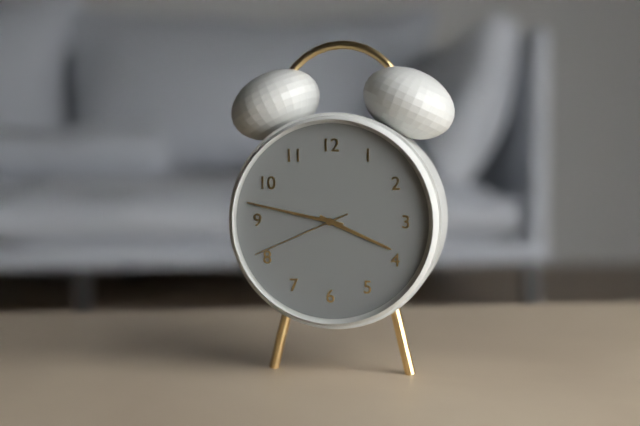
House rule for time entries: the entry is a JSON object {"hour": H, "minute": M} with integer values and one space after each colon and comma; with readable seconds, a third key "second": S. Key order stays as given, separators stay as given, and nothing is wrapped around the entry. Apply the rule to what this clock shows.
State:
{"hour": 3, "minute": 47, "second": 41}
